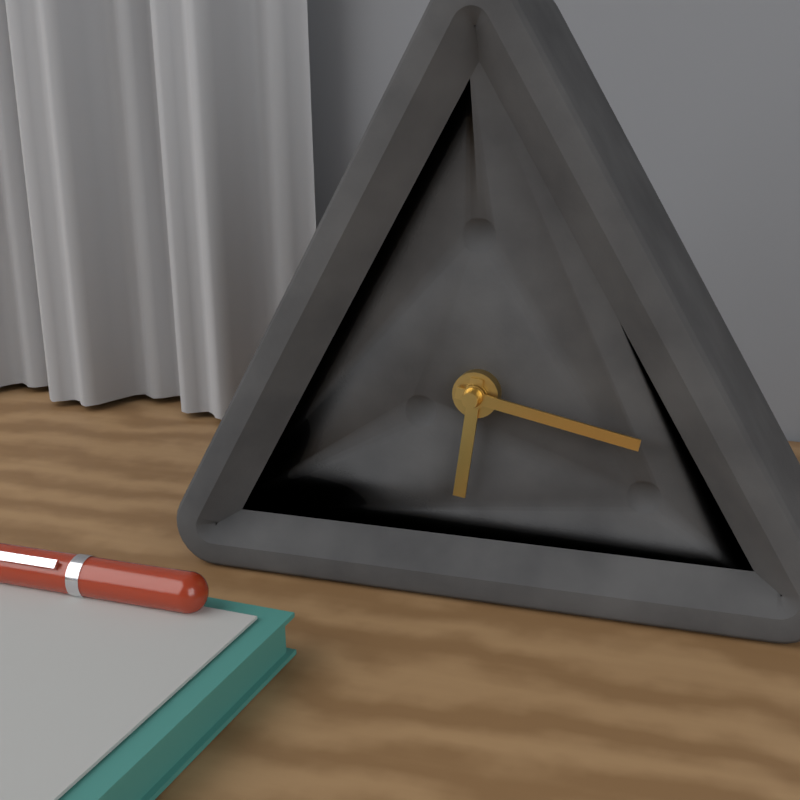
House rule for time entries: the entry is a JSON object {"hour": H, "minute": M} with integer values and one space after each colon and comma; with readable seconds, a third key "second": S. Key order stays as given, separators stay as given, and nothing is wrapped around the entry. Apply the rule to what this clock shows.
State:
{"hour": 6, "minute": 17}
